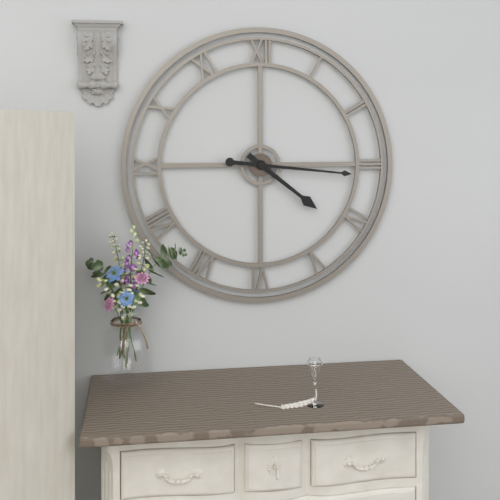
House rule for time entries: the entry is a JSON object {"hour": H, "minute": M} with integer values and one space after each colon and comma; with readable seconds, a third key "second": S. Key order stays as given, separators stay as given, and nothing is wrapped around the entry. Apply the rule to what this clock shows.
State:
{"hour": 4, "minute": 16}
